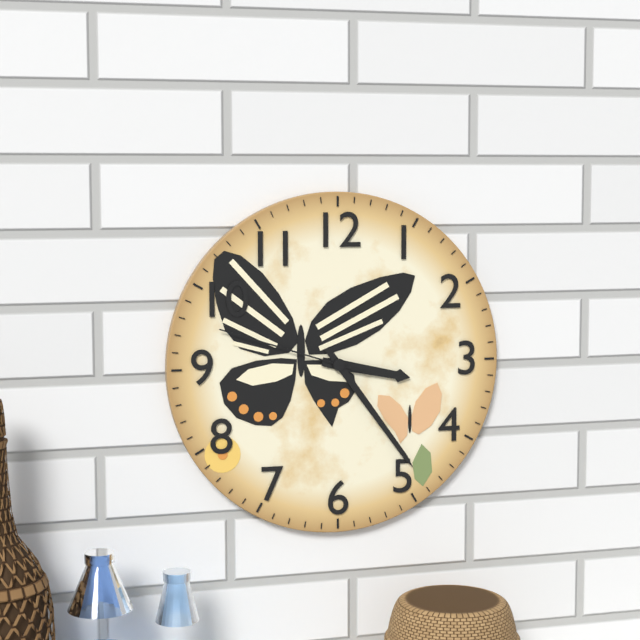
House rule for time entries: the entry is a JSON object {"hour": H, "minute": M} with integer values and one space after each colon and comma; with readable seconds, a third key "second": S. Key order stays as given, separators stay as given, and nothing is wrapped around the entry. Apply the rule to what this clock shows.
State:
{"hour": 3, "minute": 24, "second": 48}
